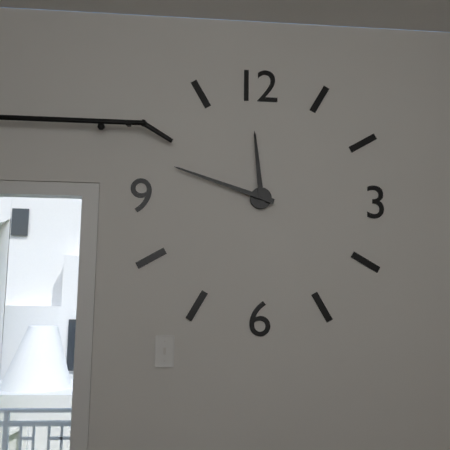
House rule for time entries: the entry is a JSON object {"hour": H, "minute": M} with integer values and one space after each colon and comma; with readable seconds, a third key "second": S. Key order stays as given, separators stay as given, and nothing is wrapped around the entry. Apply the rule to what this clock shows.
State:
{"hour": 11, "minute": 48}
